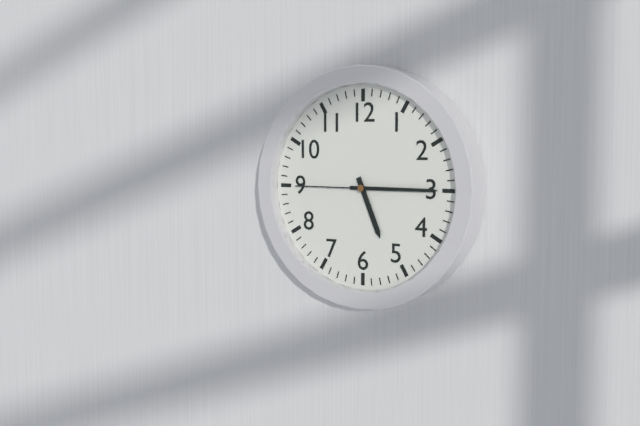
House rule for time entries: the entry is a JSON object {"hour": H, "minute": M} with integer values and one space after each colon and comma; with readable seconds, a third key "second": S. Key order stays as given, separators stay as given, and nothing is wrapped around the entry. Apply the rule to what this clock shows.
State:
{"hour": 5, "minute": 15, "second": 45}
